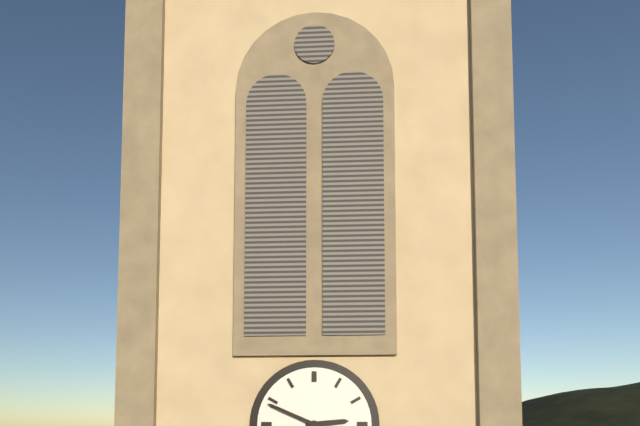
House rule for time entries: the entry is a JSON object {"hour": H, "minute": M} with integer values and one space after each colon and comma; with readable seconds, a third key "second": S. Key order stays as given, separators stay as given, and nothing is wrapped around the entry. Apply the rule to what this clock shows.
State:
{"hour": 2, "minute": 49}
